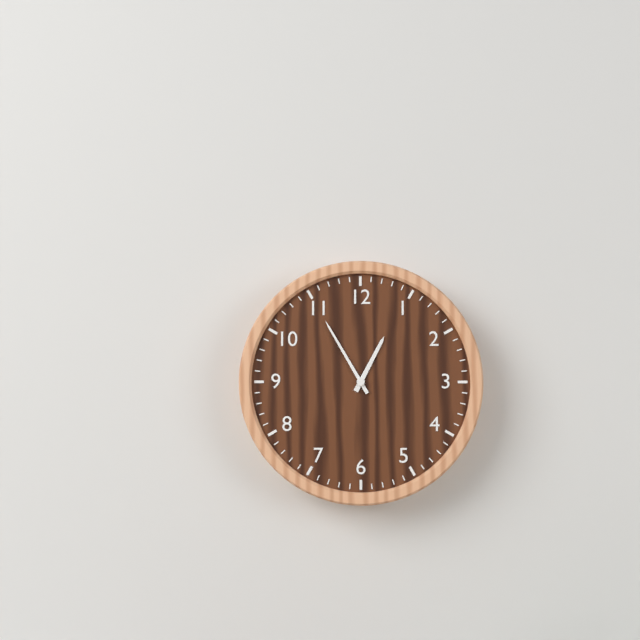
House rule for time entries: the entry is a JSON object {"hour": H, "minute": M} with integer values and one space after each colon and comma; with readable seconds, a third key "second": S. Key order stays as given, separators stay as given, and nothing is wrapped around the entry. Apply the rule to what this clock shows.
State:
{"hour": 12, "minute": 55}
